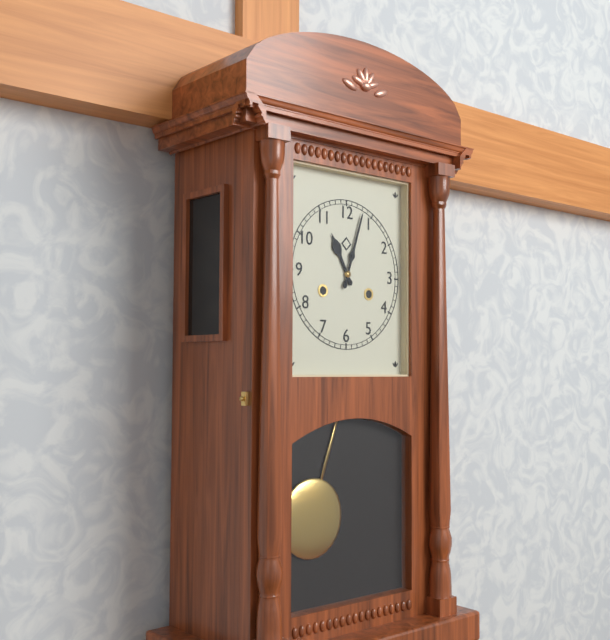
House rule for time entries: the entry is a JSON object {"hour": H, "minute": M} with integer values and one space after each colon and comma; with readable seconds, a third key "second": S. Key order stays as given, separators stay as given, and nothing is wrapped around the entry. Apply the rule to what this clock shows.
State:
{"hour": 11, "minute": 3}
